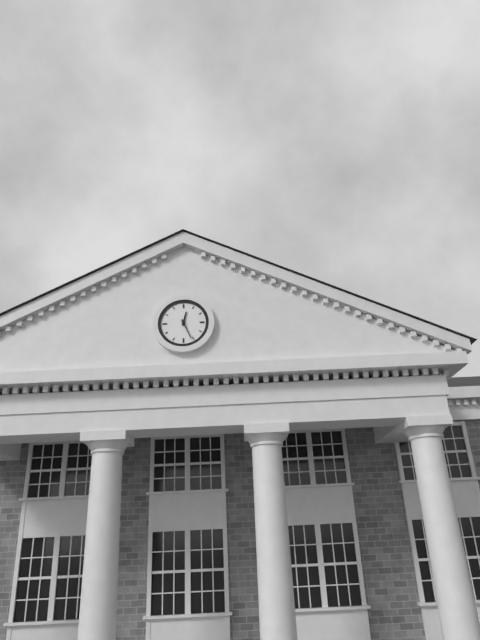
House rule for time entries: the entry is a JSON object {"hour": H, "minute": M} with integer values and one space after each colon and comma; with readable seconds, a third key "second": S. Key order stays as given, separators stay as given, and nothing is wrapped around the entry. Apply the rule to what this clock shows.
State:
{"hour": 12, "minute": 26}
